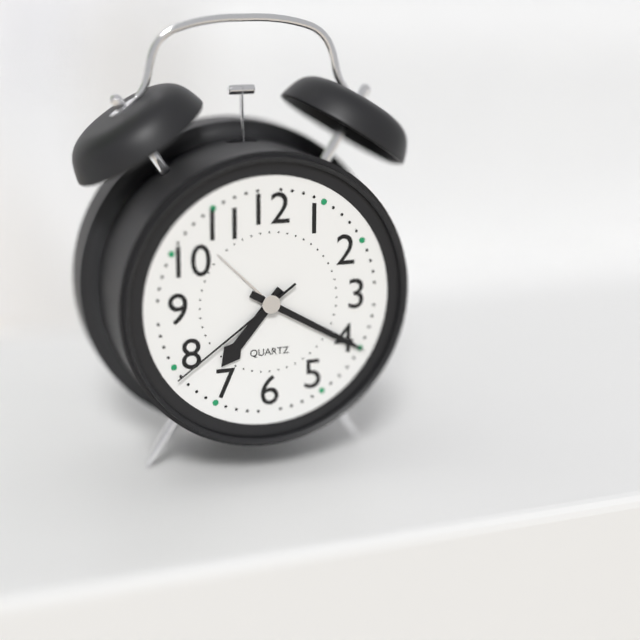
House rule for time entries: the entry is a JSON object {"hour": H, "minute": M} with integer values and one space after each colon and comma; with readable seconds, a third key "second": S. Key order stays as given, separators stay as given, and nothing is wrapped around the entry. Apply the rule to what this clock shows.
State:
{"hour": 7, "minute": 20, "second": 39}
